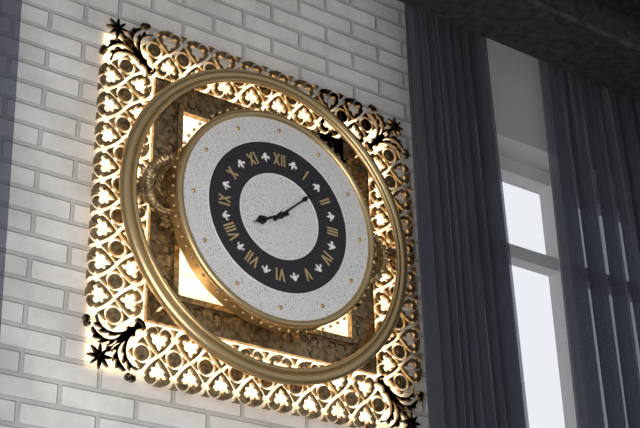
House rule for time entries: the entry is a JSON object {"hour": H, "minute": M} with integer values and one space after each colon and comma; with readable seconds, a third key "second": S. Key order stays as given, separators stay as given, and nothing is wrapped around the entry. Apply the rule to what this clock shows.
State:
{"hour": 8, "minute": 8}
